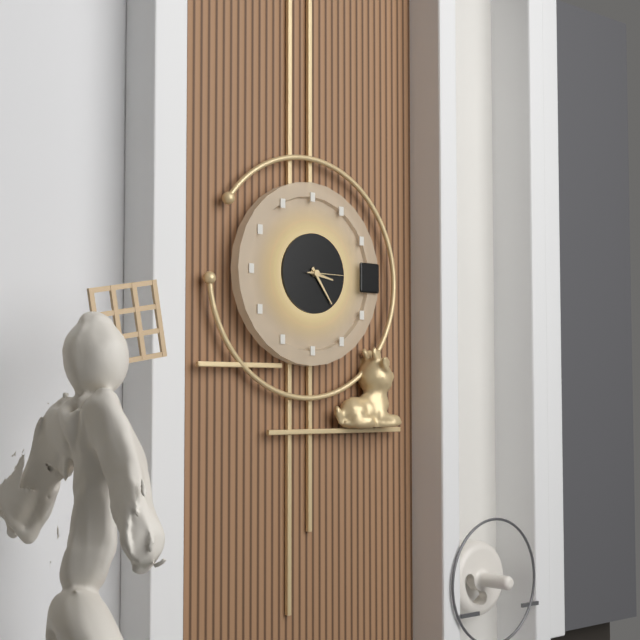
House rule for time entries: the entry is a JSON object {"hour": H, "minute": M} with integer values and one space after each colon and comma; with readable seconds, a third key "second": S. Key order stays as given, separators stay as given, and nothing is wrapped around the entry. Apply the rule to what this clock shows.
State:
{"hour": 3, "minute": 24}
